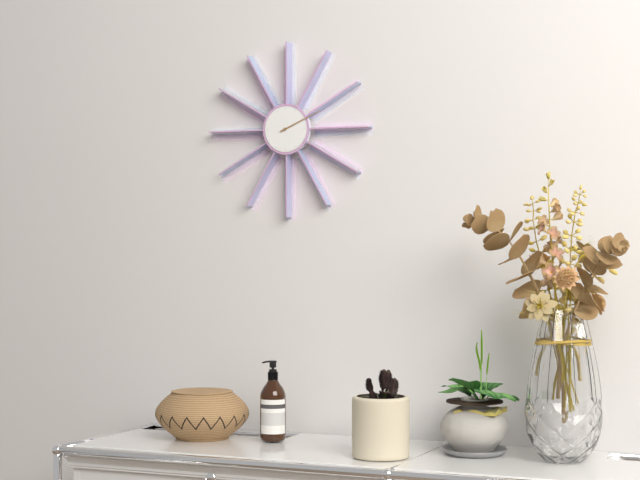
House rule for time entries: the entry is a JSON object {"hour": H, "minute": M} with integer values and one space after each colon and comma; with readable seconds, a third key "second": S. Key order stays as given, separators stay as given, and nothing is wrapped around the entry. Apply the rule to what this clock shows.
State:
{"hour": 2, "minute": 11}
